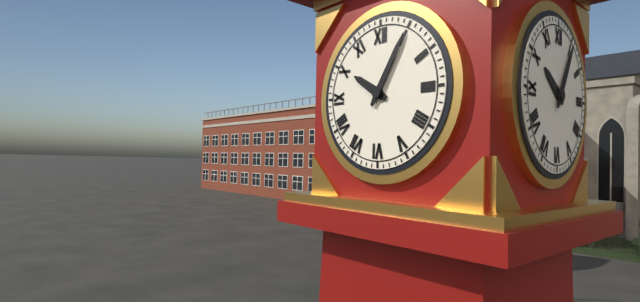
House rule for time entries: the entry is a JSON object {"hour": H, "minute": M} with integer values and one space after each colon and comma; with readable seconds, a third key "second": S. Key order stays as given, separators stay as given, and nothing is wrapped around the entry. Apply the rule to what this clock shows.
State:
{"hour": 10, "minute": 5}
